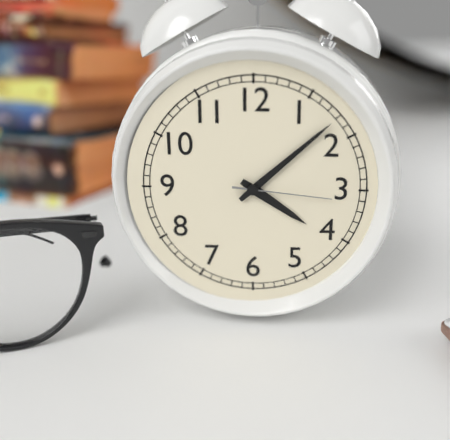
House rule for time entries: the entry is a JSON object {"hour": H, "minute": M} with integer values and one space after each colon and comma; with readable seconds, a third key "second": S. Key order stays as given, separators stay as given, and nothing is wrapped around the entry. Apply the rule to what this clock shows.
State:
{"hour": 4, "minute": 8, "second": 16}
